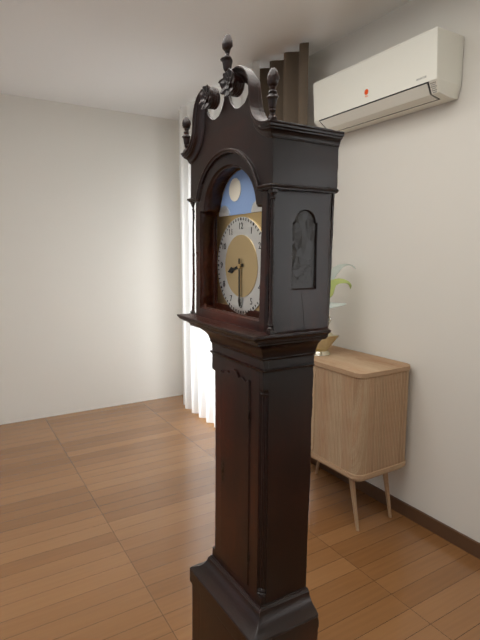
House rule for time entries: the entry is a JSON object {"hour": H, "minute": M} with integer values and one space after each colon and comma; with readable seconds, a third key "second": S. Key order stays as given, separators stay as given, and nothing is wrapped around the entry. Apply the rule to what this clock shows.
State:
{"hour": 8, "minute": 30}
